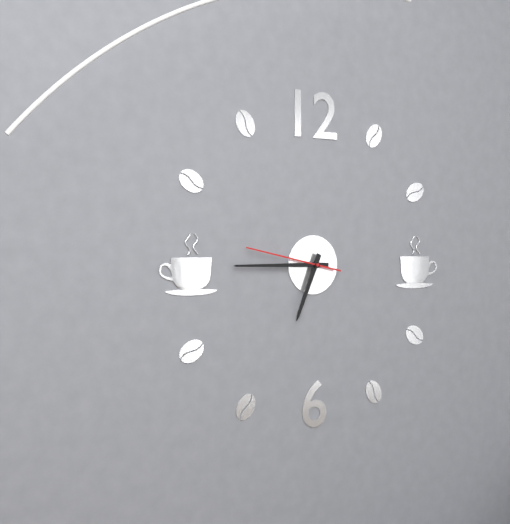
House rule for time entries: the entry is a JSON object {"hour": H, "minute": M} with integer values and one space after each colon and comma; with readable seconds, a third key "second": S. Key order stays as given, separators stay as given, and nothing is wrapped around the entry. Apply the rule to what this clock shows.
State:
{"hour": 6, "minute": 45, "second": 47}
